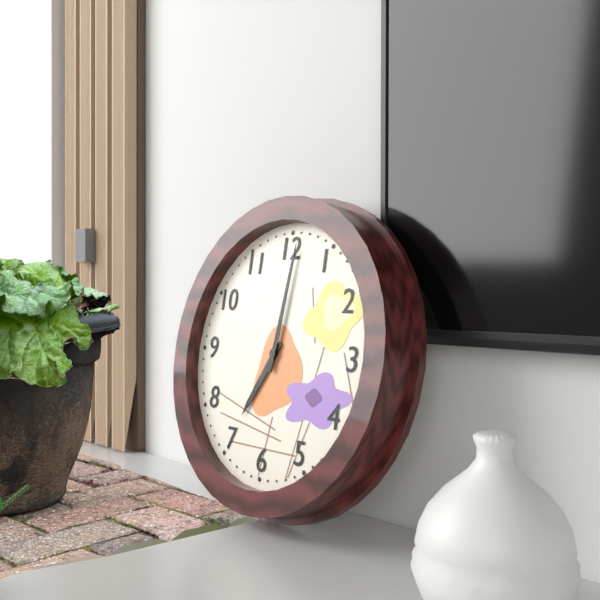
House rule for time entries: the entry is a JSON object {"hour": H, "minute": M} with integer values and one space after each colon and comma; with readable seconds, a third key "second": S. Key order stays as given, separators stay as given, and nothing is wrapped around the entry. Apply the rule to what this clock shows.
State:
{"hour": 7, "minute": 1}
